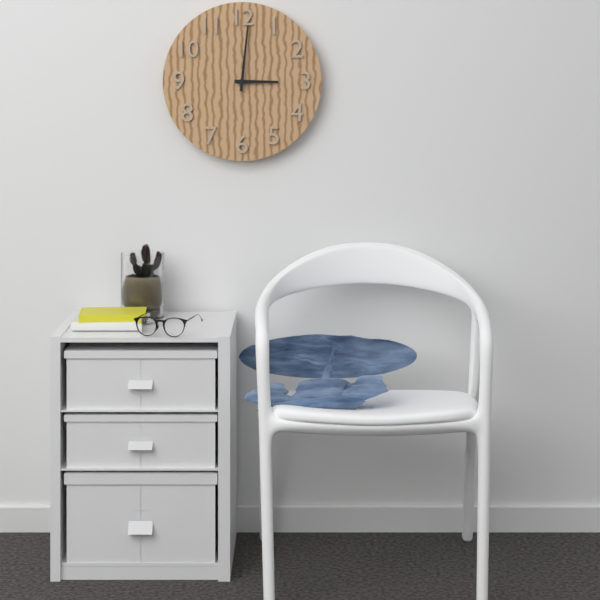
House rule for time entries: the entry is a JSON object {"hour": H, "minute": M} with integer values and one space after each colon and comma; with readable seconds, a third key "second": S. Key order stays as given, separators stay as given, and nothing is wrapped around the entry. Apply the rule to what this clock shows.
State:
{"hour": 3, "minute": 1}
